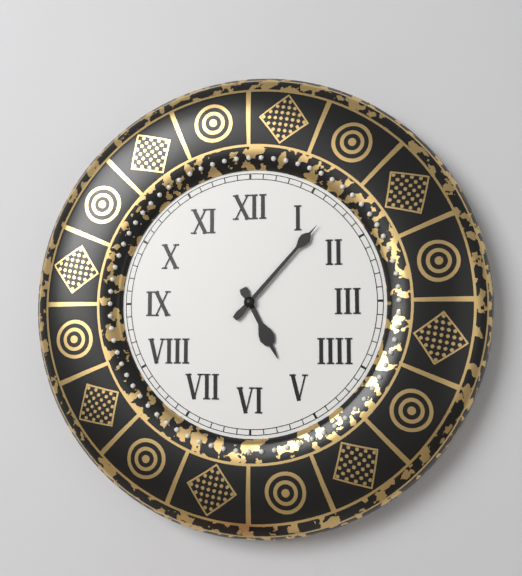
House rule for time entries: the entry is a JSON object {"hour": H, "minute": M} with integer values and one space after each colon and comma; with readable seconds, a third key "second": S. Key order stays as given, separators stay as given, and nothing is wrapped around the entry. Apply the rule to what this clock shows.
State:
{"hour": 5, "minute": 7}
